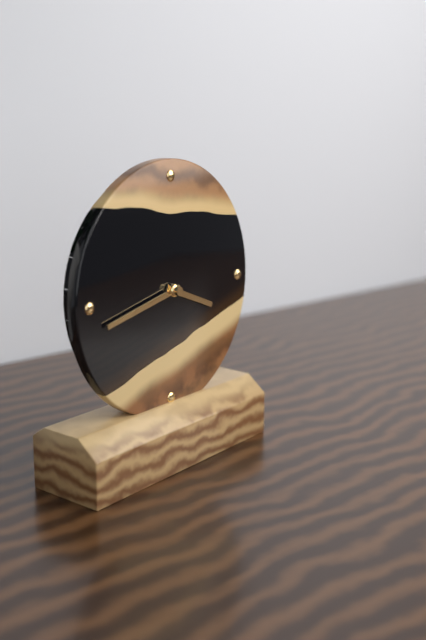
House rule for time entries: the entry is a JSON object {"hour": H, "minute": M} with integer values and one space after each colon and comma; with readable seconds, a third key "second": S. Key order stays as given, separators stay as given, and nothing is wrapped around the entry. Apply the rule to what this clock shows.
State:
{"hour": 3, "minute": 43}
